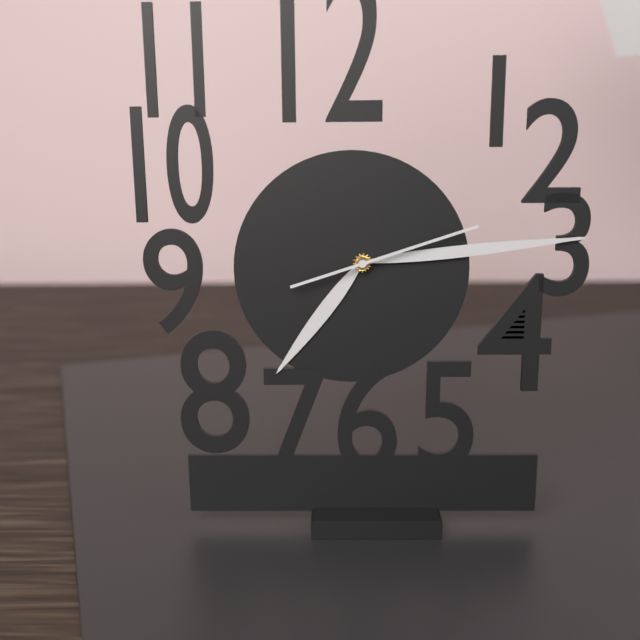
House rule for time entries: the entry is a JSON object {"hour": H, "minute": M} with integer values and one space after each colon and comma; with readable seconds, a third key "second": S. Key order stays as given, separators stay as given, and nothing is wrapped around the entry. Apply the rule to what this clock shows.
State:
{"hour": 7, "minute": 14, "second": 12}
